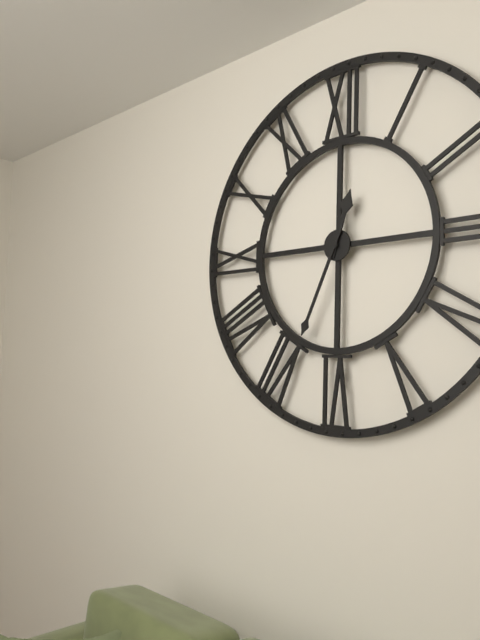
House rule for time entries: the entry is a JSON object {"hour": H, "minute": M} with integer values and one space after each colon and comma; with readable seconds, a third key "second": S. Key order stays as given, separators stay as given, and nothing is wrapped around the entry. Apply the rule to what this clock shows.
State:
{"hour": 12, "minute": 34}
